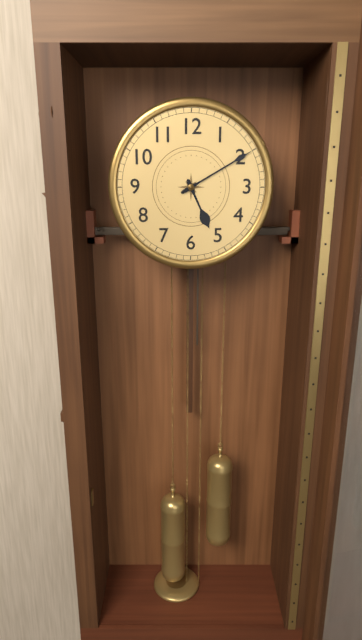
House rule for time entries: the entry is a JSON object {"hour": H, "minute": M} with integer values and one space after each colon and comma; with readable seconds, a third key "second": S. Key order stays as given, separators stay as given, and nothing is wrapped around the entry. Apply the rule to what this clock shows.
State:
{"hour": 5, "minute": 10}
